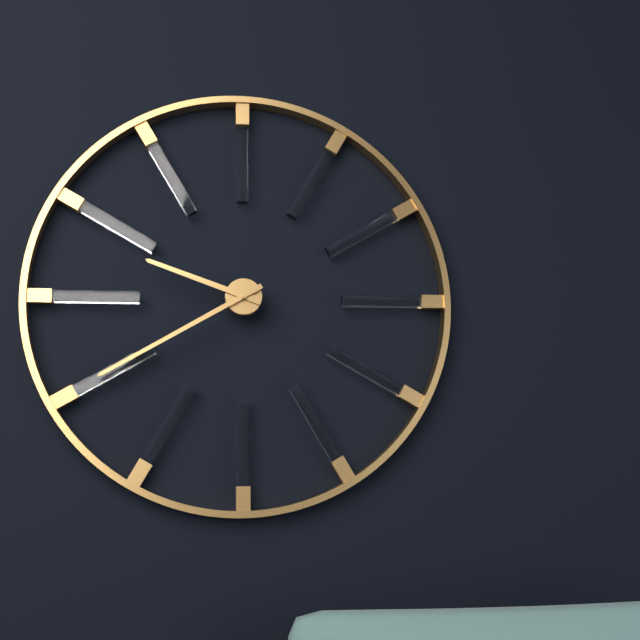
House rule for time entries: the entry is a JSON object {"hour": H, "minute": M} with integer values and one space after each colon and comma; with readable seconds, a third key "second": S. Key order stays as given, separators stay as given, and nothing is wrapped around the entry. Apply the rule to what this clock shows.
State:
{"hour": 9, "minute": 40}
